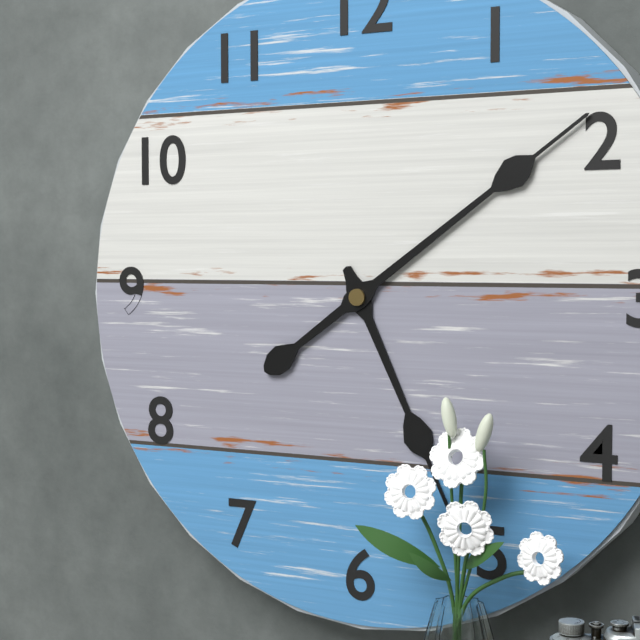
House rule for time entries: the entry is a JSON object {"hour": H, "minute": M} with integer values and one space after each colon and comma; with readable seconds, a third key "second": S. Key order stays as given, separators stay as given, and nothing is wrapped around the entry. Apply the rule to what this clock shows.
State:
{"hour": 5, "minute": 9}
